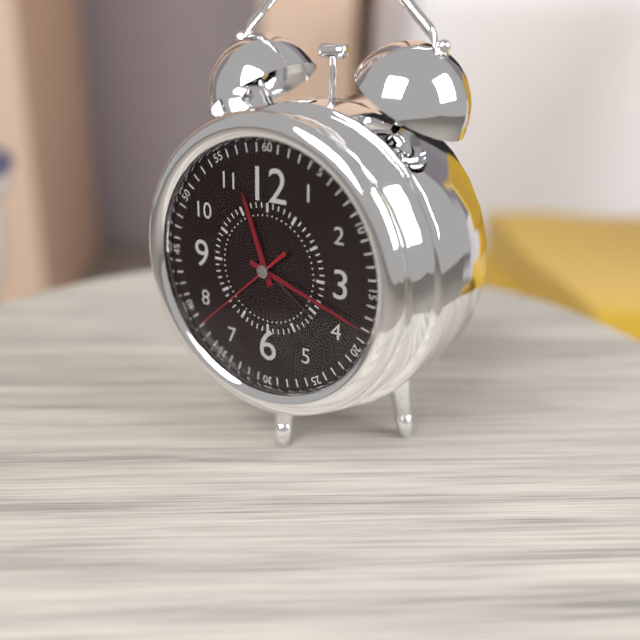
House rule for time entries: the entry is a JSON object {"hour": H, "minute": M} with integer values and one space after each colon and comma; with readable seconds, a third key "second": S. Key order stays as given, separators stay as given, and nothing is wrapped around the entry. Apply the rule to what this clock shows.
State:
{"hour": 11, "minute": 18, "second": 38}
